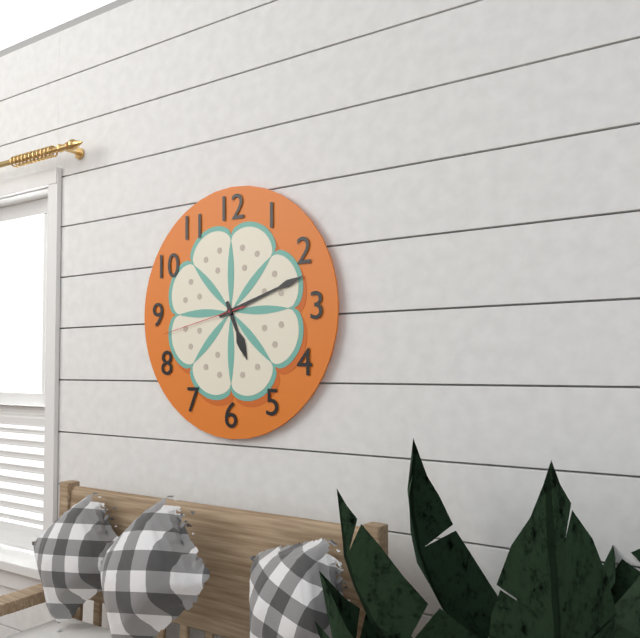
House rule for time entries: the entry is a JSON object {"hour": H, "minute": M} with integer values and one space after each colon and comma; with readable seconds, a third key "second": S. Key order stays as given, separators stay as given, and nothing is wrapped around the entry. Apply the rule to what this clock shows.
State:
{"hour": 5, "minute": 12, "second": 43}
